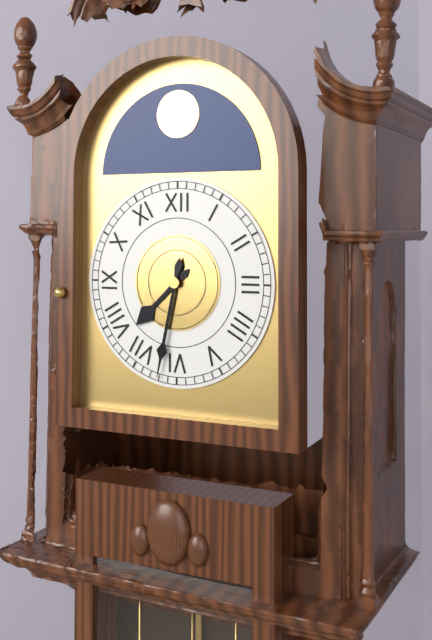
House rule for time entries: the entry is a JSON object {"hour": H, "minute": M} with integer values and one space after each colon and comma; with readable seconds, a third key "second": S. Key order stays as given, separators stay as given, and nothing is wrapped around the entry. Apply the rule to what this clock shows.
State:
{"hour": 7, "minute": 32}
